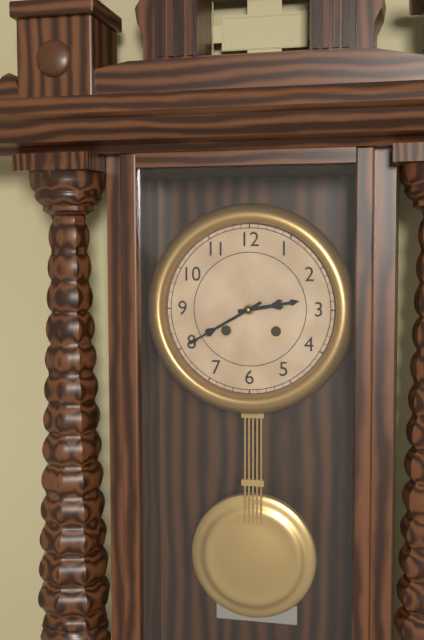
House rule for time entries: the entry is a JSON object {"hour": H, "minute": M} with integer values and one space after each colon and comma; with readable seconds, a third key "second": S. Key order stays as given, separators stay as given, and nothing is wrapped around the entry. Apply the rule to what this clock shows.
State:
{"hour": 2, "minute": 40}
